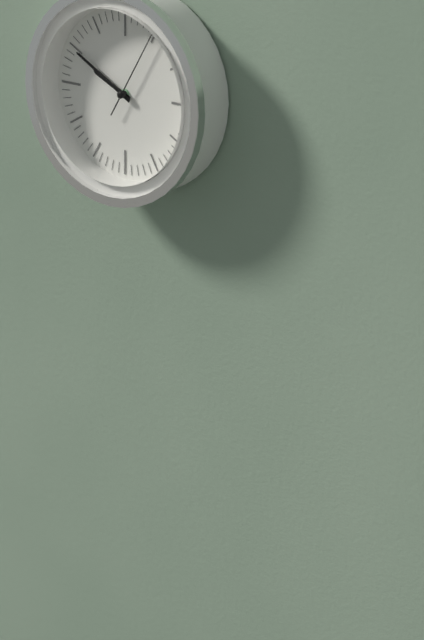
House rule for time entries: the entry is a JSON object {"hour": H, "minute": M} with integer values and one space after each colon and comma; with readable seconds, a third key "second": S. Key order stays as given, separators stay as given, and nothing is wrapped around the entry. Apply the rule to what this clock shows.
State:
{"hour": 9, "minute": 50, "second": 5}
